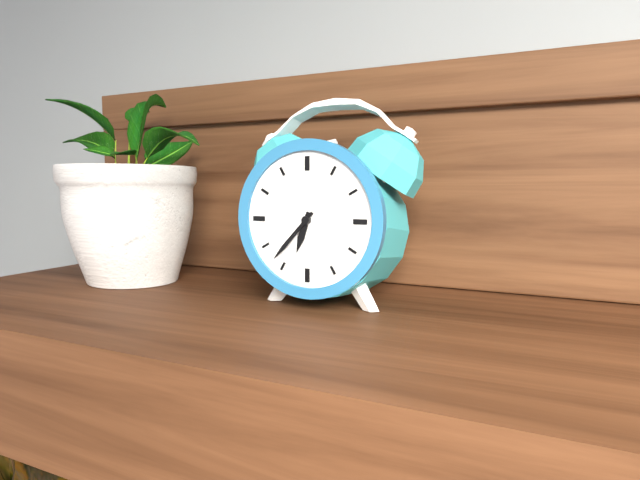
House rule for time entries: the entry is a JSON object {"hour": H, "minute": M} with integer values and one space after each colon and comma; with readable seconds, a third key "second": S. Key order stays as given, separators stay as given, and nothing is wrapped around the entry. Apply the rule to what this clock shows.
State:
{"hour": 6, "minute": 37}
